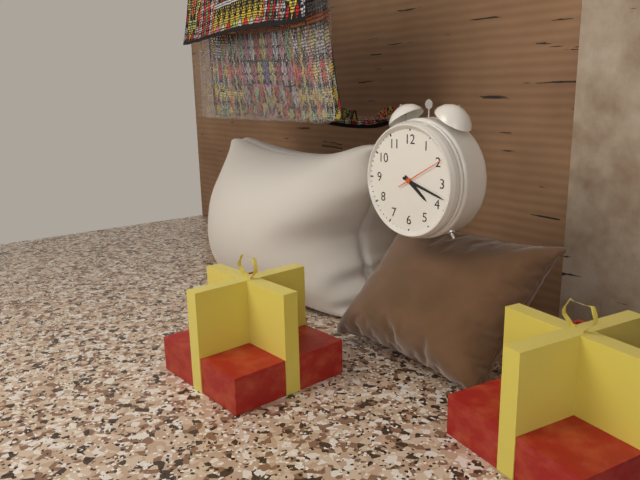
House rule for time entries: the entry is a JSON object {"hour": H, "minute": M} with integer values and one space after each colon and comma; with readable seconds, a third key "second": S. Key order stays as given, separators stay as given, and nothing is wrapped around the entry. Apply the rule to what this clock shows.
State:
{"hour": 4, "minute": 18, "second": 10}
